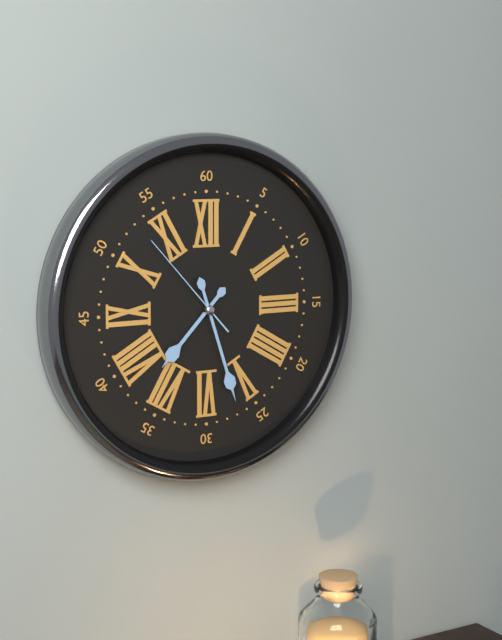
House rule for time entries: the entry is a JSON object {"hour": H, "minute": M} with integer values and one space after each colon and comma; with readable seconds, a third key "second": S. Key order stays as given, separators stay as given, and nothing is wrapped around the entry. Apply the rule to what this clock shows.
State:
{"hour": 7, "minute": 27, "second": 53}
